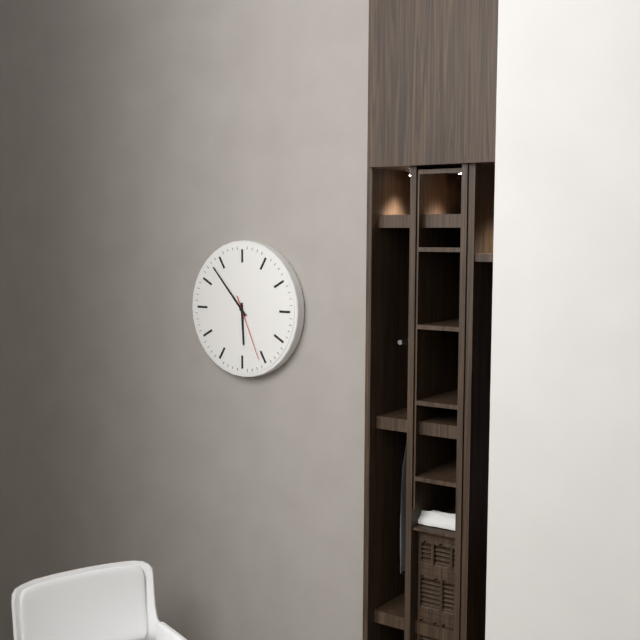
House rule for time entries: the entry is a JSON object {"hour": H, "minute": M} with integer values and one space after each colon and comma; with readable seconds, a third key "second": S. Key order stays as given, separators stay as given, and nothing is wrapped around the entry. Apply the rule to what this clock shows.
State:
{"hour": 5, "minute": 53, "second": 26}
